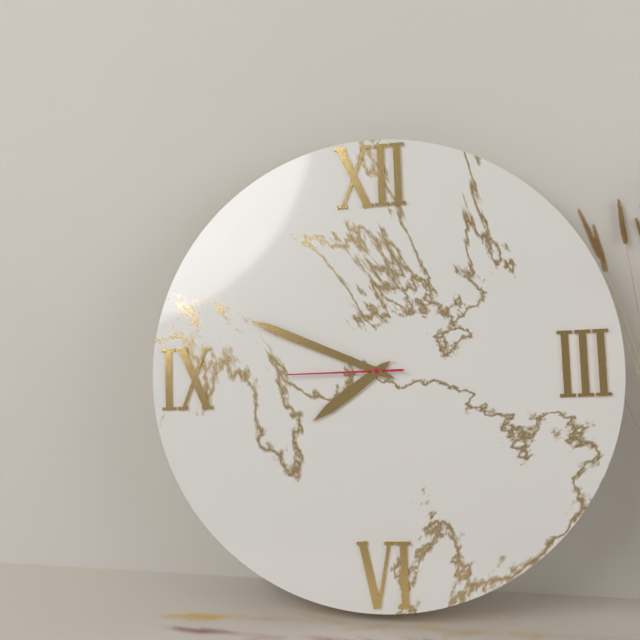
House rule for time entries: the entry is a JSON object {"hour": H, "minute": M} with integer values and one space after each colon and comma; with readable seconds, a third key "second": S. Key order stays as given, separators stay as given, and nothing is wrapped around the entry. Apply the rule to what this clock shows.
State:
{"hour": 7, "minute": 49, "second": 45}
